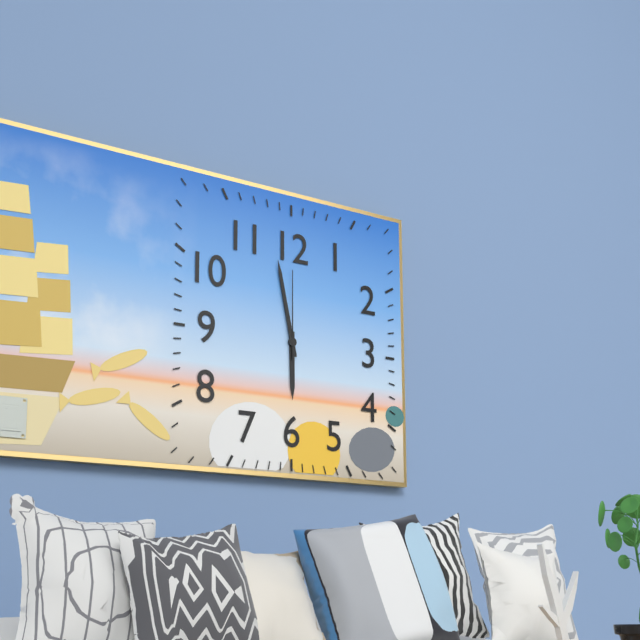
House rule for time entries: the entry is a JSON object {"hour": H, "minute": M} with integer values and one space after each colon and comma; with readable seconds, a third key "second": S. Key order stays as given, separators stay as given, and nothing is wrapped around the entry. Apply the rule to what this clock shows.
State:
{"hour": 5, "minute": 58, "second": 0}
